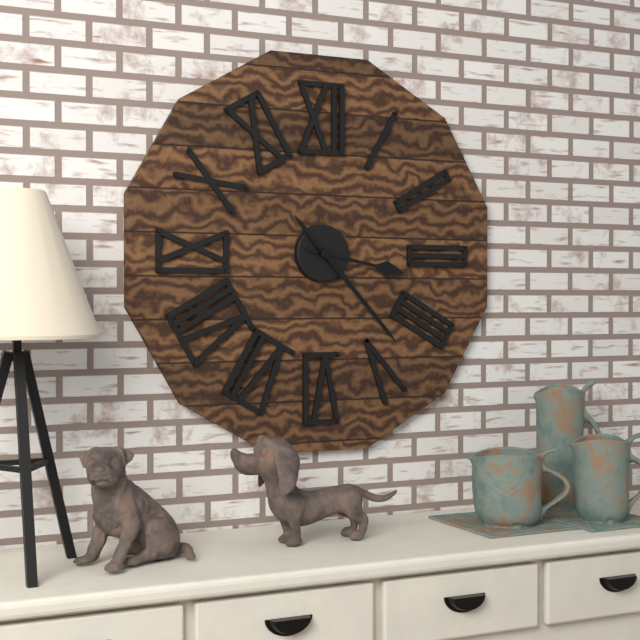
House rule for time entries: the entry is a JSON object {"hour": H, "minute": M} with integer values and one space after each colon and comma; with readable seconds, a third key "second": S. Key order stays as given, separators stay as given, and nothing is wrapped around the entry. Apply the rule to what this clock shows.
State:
{"hour": 3, "minute": 23}
